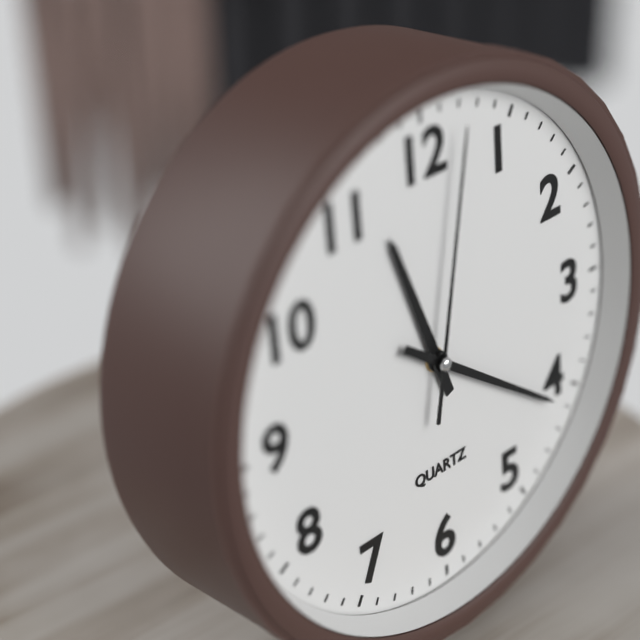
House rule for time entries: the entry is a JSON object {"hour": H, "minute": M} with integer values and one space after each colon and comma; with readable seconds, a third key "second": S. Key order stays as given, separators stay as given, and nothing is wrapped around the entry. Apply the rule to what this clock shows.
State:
{"hour": 11, "minute": 21, "second": 2}
